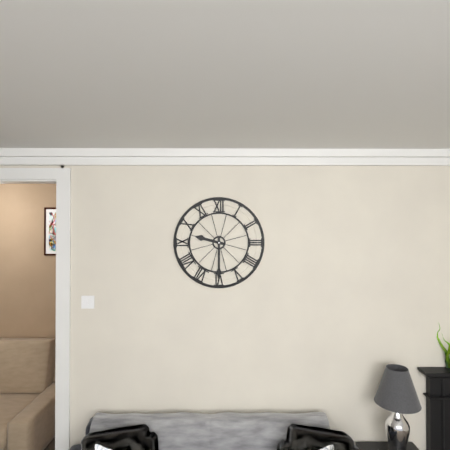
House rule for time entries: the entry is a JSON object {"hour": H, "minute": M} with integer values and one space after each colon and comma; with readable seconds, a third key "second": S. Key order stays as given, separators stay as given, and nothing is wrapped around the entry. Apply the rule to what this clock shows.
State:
{"hour": 9, "minute": 30}
